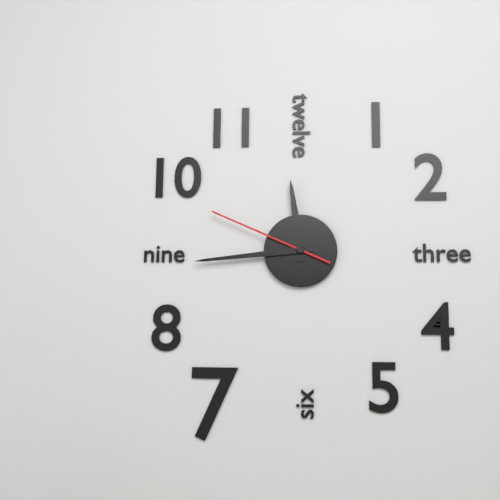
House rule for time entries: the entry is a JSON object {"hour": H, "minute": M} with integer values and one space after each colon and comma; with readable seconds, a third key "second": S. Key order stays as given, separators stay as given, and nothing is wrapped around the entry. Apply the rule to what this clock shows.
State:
{"hour": 11, "minute": 44, "second": 49}
